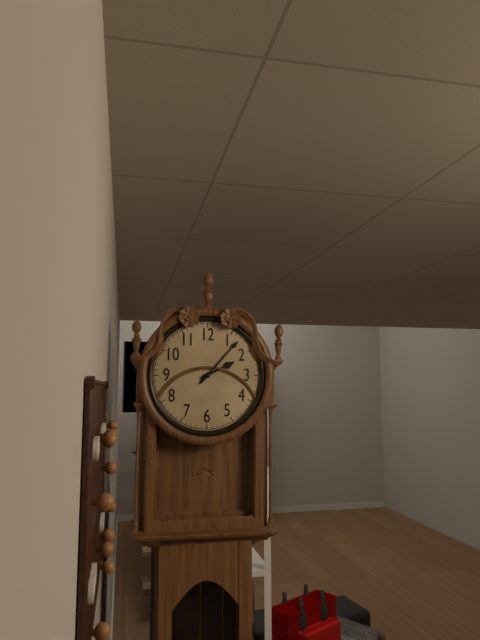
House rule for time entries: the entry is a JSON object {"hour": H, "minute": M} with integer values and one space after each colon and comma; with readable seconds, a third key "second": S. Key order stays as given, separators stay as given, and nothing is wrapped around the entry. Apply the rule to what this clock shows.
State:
{"hour": 2, "minute": 7}
